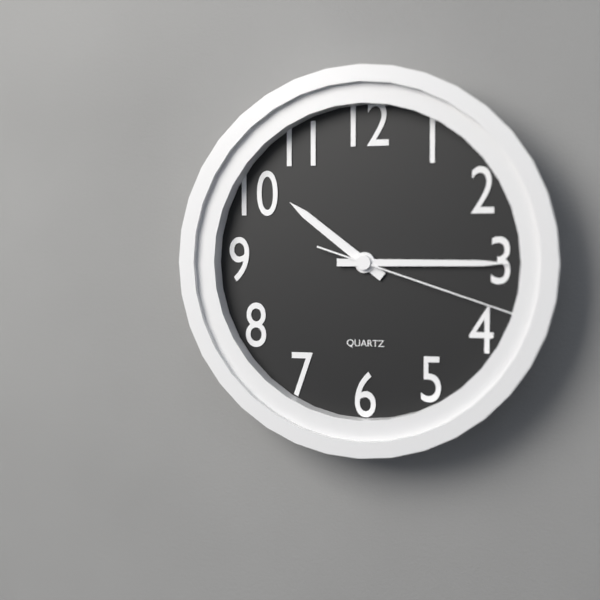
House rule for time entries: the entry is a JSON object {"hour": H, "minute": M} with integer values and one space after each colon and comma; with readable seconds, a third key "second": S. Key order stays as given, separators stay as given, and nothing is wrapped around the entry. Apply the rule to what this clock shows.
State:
{"hour": 10, "minute": 15, "second": 18}
